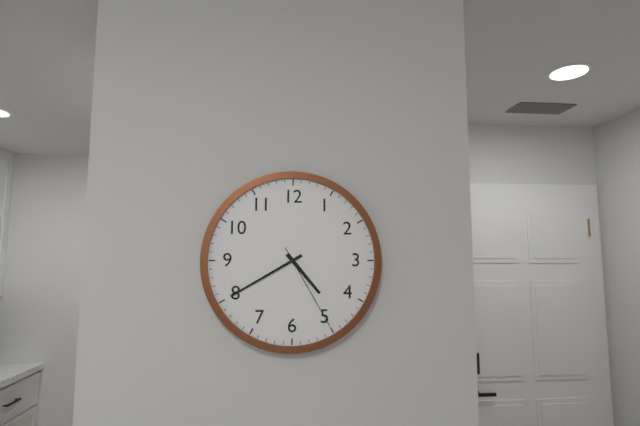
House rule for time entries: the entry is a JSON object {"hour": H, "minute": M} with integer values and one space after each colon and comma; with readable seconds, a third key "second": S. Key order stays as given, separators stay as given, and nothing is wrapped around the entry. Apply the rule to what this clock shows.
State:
{"hour": 4, "minute": 40, "second": 25}
